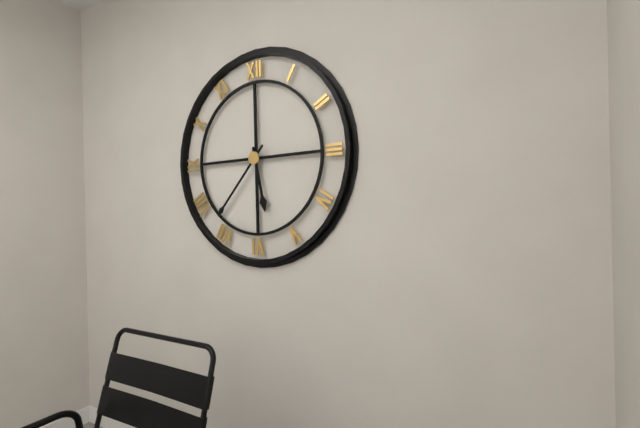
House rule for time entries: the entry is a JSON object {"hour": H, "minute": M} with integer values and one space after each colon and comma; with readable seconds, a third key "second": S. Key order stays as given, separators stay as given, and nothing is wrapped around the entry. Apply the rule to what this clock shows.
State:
{"hour": 5, "minute": 37}
